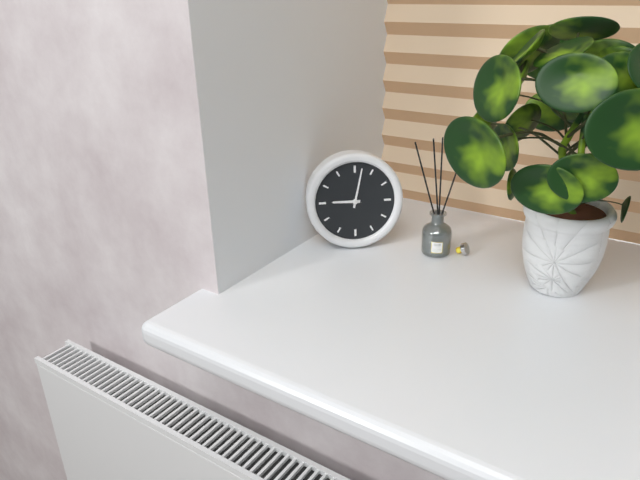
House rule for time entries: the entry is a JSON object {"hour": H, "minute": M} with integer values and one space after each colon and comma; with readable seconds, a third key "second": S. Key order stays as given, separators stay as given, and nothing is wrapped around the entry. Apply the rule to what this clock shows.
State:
{"hour": 9, "minute": 2}
